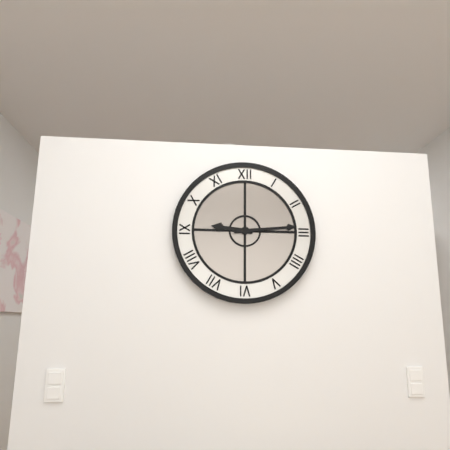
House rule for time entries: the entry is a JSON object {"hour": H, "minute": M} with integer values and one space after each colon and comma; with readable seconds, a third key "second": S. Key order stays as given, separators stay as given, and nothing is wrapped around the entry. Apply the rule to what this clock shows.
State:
{"hour": 9, "minute": 14}
